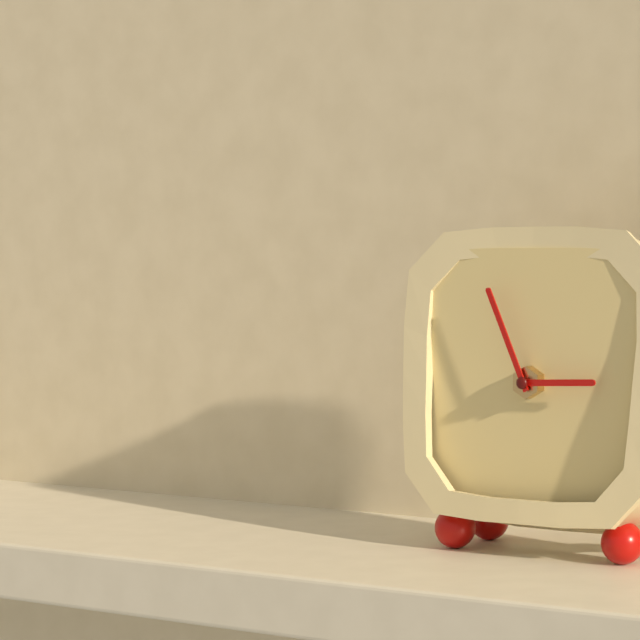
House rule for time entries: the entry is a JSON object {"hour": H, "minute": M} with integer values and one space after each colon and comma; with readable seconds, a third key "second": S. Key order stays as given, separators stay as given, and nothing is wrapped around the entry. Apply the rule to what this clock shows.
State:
{"hour": 2, "minute": 56}
